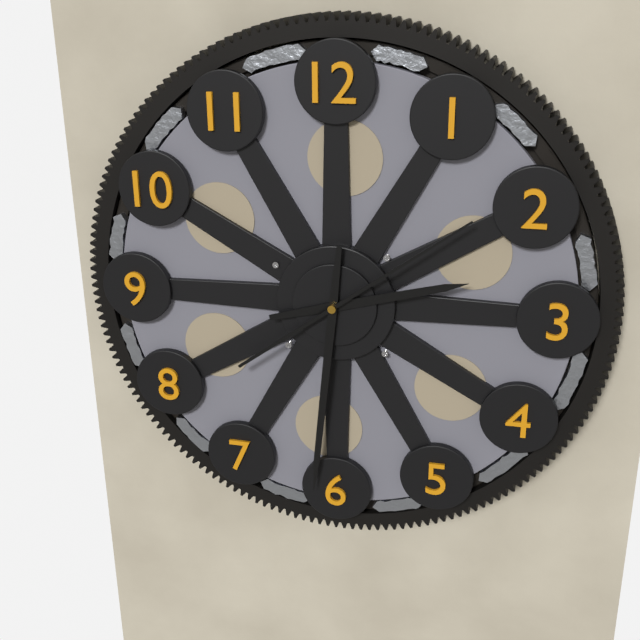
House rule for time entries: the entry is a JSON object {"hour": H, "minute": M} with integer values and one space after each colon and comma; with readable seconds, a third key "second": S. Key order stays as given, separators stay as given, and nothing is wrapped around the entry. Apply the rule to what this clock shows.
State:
{"hour": 2, "minute": 31, "second": 9}
